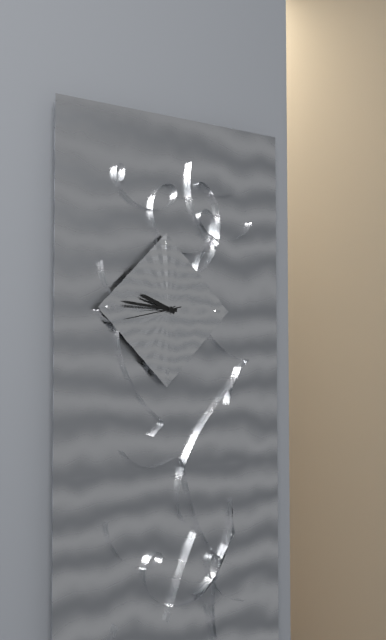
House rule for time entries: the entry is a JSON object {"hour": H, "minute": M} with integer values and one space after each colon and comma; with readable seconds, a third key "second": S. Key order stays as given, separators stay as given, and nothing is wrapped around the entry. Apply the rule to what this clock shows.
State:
{"hour": 9, "minute": 46, "second": 43}
